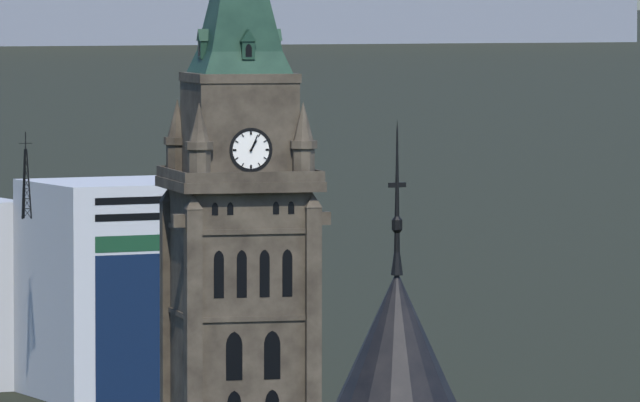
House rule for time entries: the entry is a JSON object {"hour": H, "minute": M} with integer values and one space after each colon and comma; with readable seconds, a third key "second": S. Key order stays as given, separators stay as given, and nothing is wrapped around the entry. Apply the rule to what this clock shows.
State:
{"hour": 1, "minute": 4}
